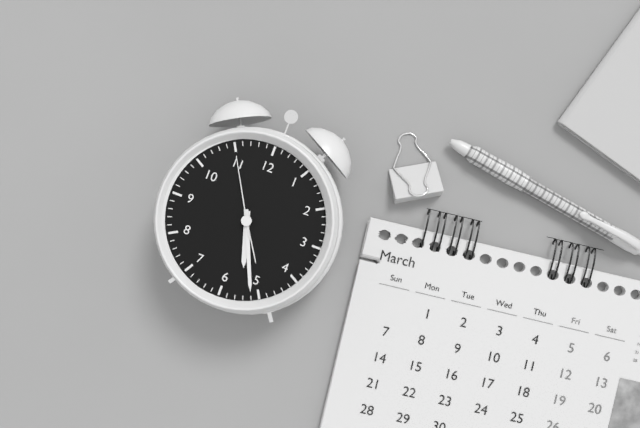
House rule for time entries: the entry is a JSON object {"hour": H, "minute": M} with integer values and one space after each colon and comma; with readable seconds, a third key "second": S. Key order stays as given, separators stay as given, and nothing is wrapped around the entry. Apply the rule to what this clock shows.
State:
{"hour": 5, "minute": 26, "second": 55}
